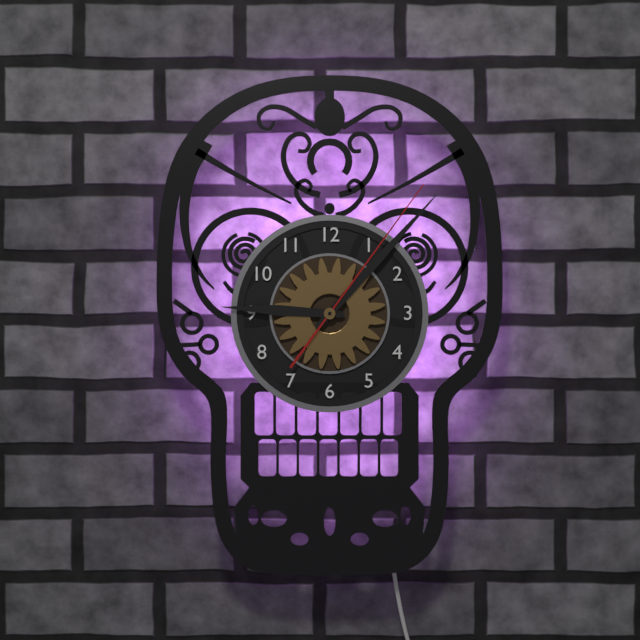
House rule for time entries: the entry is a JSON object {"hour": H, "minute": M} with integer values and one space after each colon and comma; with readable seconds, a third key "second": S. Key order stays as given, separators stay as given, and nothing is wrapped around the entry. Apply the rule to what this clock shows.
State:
{"hour": 9, "minute": 7, "second": 6}
